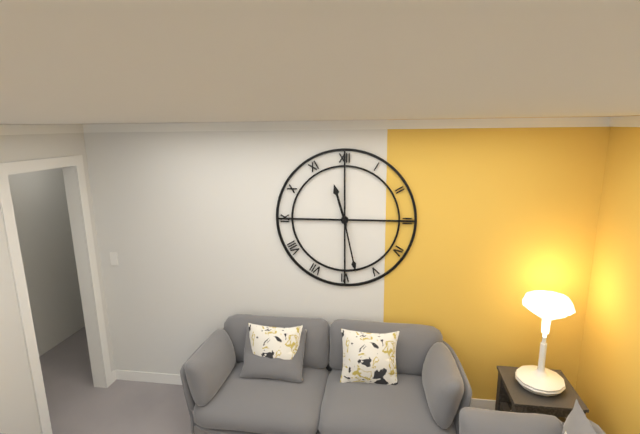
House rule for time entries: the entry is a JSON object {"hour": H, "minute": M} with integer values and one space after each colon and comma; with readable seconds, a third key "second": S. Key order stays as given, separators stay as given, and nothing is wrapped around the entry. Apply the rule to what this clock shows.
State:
{"hour": 11, "minute": 28}
